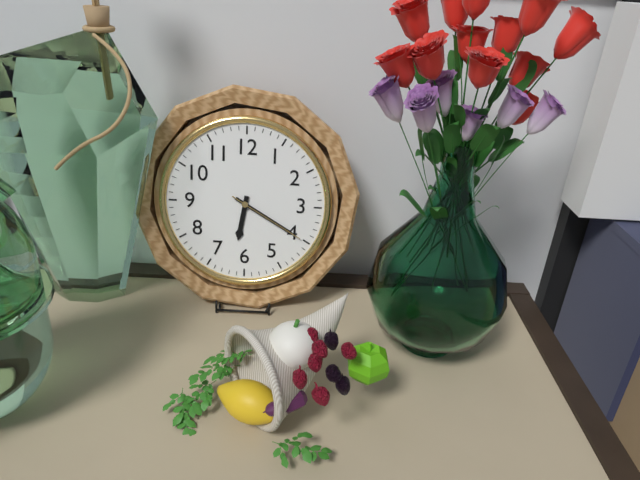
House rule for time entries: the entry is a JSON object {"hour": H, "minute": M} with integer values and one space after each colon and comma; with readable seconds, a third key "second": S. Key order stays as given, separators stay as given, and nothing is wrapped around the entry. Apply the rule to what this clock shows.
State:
{"hour": 6, "minute": 20, "second": 20}
